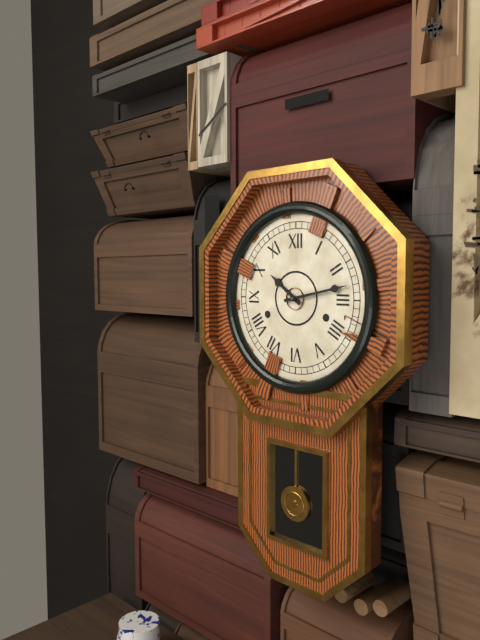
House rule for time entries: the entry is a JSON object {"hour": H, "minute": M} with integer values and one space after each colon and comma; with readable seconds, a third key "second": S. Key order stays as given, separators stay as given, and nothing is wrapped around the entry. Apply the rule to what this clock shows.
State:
{"hour": 10, "minute": 13}
